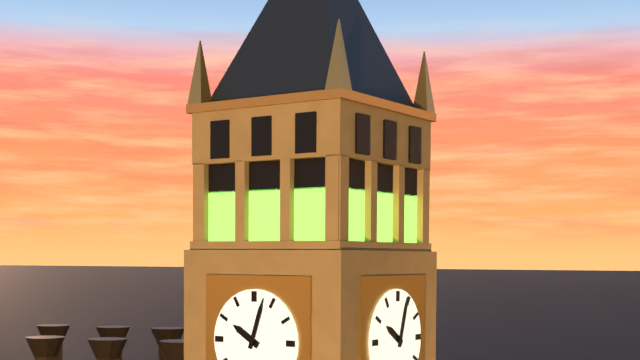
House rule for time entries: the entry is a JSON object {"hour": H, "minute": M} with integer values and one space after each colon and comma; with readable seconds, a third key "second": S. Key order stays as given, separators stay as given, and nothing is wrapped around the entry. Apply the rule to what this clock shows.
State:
{"hour": 10, "minute": 3}
